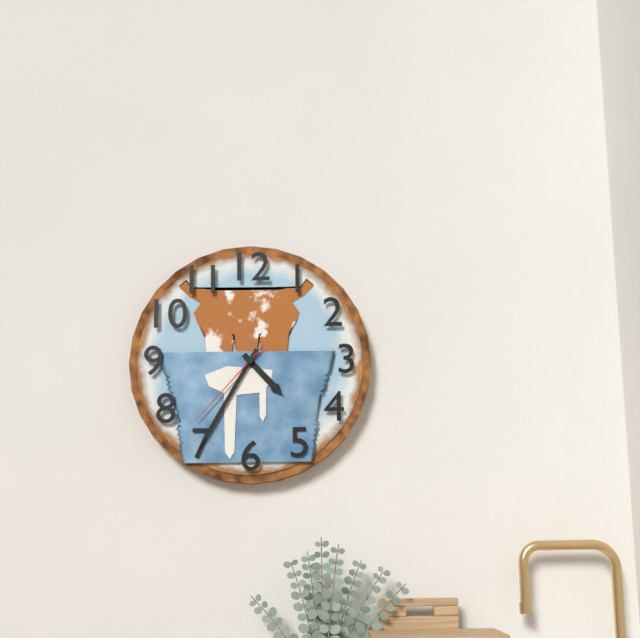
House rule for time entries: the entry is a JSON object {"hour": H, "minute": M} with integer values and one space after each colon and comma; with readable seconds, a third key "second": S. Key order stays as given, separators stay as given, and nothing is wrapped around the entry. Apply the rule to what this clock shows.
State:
{"hour": 4, "minute": 35, "second": 37}
